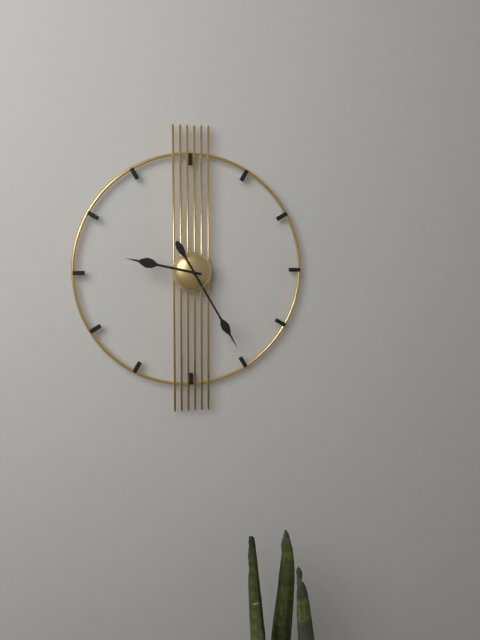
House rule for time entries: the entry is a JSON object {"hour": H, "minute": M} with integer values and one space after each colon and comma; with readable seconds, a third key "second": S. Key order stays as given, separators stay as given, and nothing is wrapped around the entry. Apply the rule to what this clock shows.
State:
{"hour": 9, "minute": 25}
